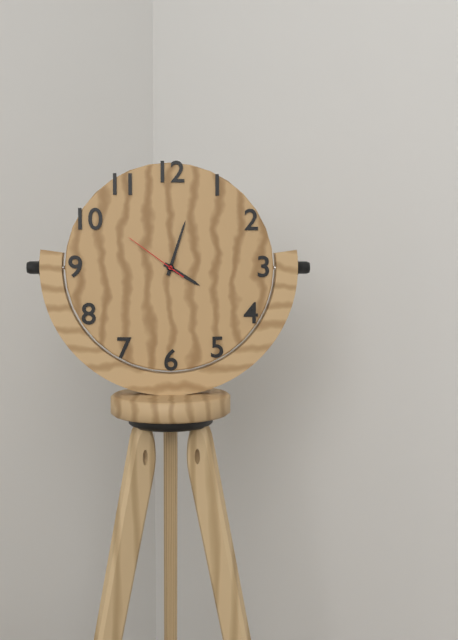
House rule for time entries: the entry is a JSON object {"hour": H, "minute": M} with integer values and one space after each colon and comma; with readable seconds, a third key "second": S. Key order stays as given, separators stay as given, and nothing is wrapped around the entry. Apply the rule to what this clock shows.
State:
{"hour": 4, "minute": 3, "second": 51}
